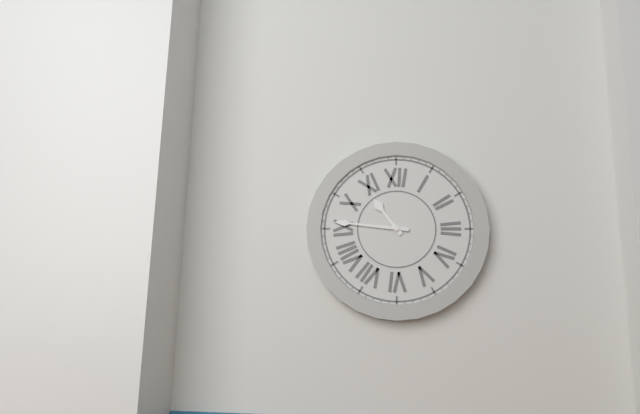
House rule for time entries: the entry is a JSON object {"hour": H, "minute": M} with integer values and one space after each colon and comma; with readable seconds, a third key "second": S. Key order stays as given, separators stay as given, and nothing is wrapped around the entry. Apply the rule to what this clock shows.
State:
{"hour": 10, "minute": 46}
